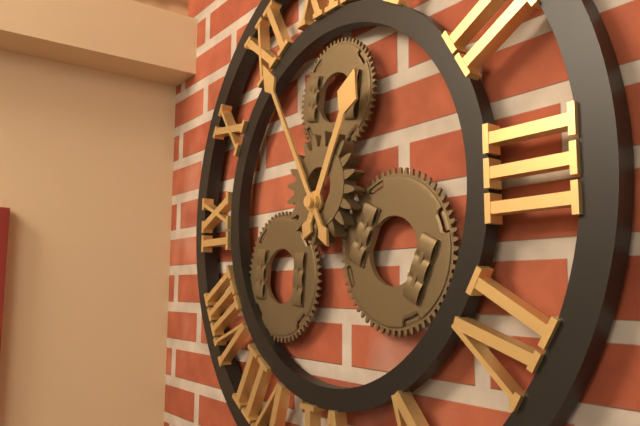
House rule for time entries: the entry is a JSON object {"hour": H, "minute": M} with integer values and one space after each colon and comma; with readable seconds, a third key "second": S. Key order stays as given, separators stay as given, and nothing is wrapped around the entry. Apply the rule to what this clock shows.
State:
{"hour": 12, "minute": 55}
